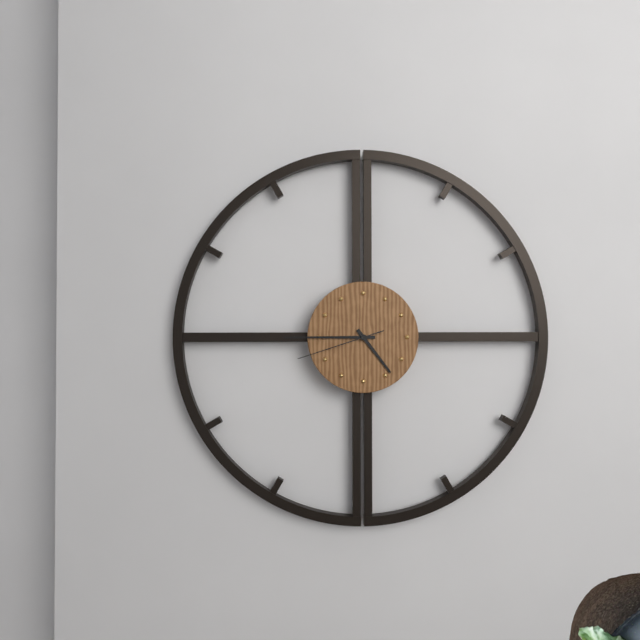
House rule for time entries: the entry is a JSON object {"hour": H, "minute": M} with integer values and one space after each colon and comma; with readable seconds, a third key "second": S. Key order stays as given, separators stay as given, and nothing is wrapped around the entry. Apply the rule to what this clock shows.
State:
{"hour": 4, "minute": 45, "second": 42}
